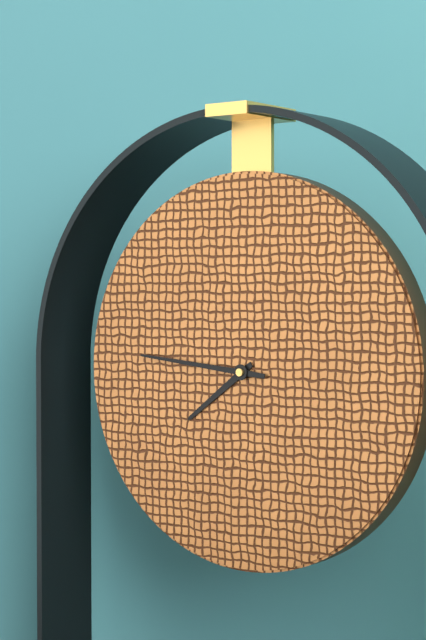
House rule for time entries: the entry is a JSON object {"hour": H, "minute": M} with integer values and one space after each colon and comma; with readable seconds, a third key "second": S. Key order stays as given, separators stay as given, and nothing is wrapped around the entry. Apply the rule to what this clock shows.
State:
{"hour": 7, "minute": 46}
